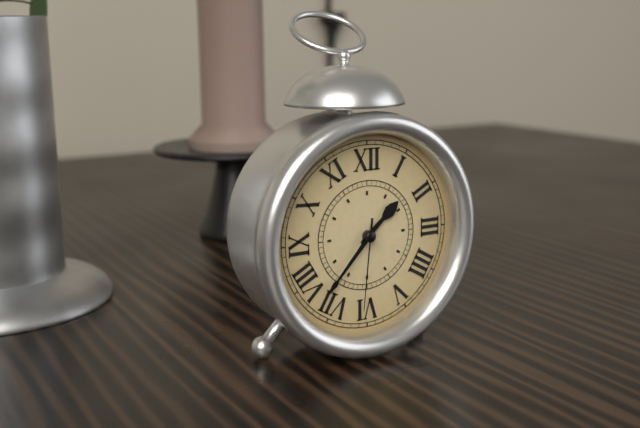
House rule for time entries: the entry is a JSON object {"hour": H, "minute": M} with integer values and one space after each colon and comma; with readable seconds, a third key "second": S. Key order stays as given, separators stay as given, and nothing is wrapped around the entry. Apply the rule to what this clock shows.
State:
{"hour": 1, "minute": 37, "second": 31}
